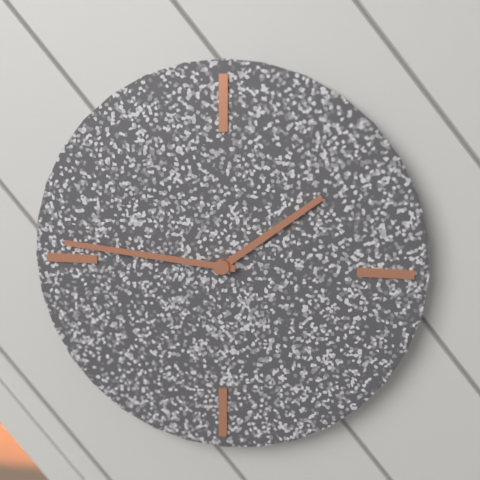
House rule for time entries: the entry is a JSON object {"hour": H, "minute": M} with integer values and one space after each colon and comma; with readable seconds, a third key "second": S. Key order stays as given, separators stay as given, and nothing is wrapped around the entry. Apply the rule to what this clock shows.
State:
{"hour": 1, "minute": 46}
